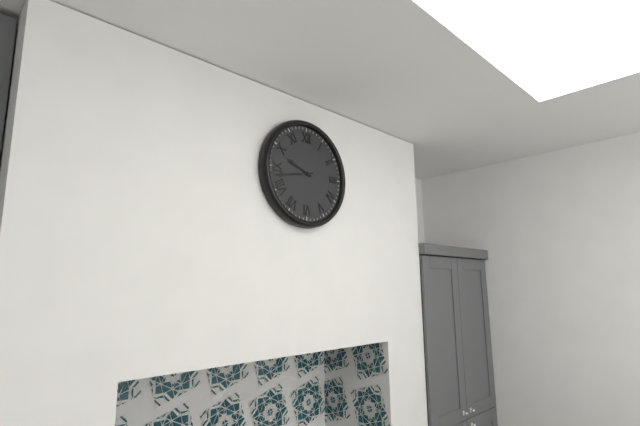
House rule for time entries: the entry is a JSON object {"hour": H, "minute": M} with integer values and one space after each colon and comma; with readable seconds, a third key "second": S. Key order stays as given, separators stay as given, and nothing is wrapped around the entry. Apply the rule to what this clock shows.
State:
{"hour": 9, "minute": 43}
